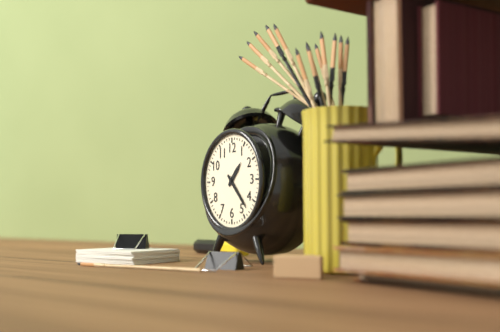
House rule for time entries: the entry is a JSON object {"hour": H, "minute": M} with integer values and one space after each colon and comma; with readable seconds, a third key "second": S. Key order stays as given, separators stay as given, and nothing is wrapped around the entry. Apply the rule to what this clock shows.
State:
{"hour": 1, "minute": 23}
